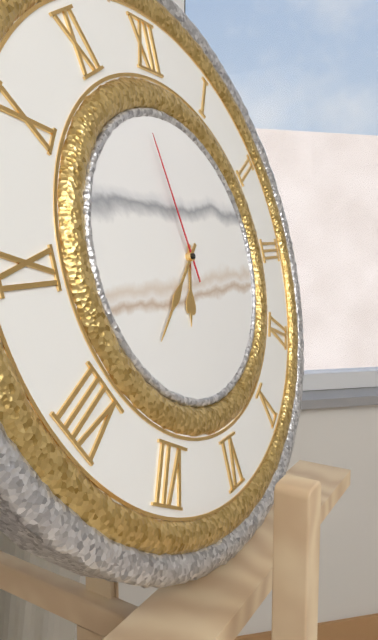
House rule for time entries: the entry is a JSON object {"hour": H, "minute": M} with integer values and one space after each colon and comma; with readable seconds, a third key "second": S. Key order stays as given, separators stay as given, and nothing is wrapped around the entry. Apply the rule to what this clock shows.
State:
{"hour": 6, "minute": 38, "second": 58}
